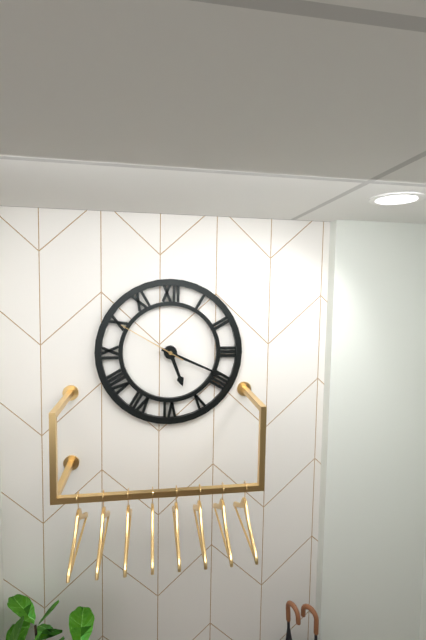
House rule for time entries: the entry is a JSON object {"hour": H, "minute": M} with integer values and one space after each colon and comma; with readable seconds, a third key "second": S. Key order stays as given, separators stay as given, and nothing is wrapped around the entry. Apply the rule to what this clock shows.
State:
{"hour": 5, "minute": 19, "second": 50}
